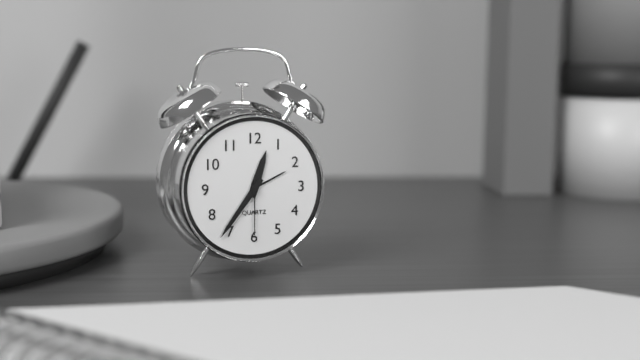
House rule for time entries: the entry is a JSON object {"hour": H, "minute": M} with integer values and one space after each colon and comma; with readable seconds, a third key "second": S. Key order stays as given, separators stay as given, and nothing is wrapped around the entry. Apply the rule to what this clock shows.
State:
{"hour": 12, "minute": 36, "second": 30}
